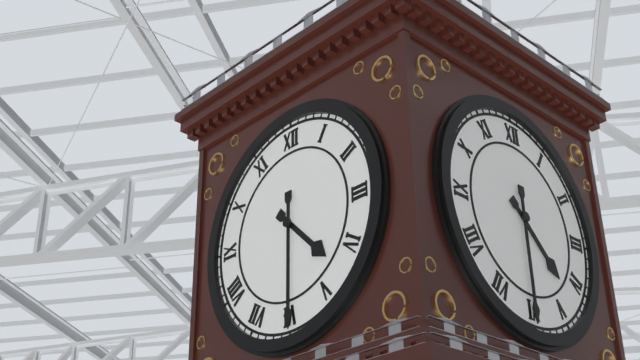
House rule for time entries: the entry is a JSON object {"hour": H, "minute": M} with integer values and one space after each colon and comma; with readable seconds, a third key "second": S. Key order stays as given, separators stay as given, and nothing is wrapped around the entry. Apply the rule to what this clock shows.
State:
{"hour": 4, "minute": 30}
